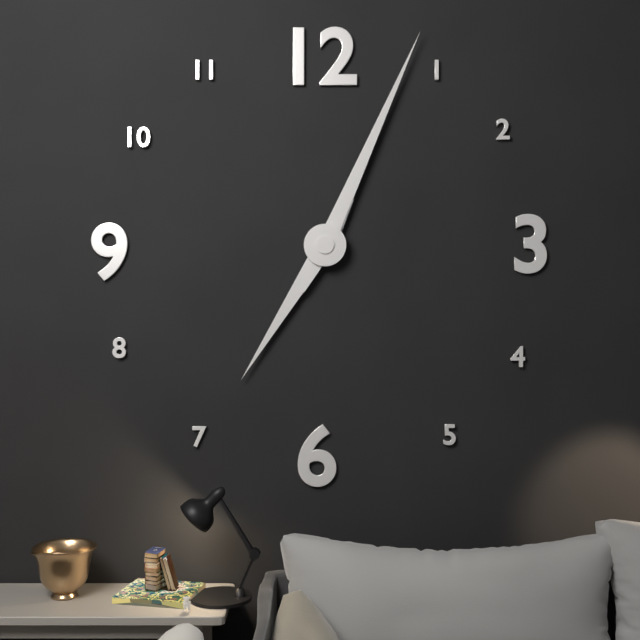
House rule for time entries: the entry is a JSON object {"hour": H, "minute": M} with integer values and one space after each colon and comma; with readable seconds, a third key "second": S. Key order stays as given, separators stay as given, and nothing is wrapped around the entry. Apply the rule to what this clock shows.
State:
{"hour": 7, "minute": 4}
